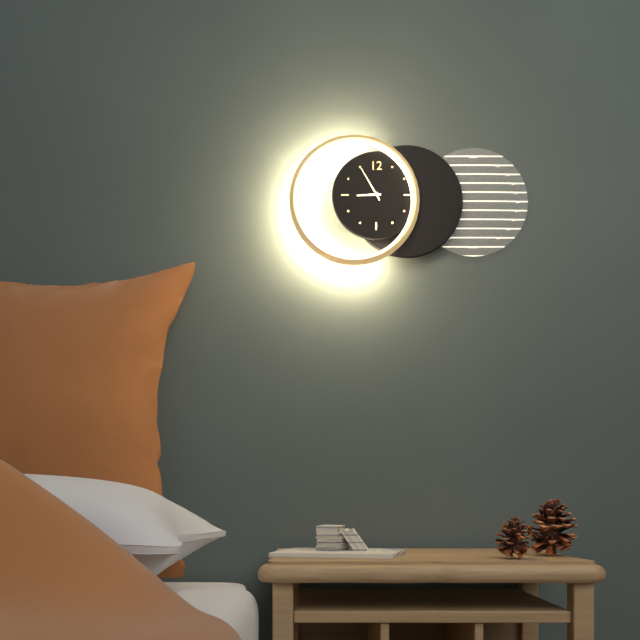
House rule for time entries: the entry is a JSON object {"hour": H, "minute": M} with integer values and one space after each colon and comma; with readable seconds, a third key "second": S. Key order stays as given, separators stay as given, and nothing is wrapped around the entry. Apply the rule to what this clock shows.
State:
{"hour": 8, "minute": 55}
